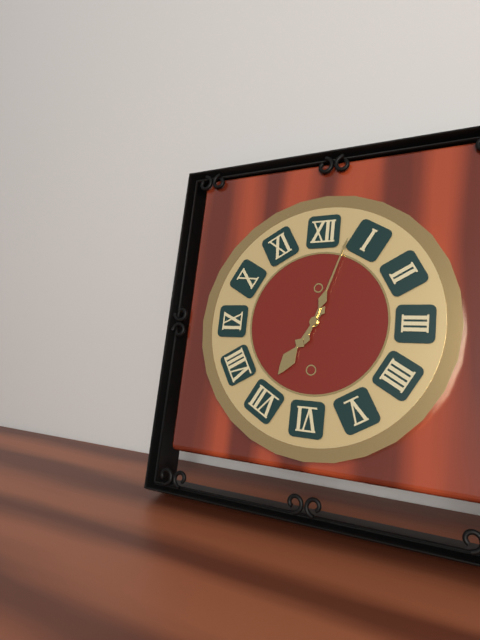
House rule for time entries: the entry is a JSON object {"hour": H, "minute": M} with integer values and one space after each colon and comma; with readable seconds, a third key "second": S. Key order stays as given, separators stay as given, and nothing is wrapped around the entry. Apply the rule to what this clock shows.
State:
{"hour": 7, "minute": 3}
